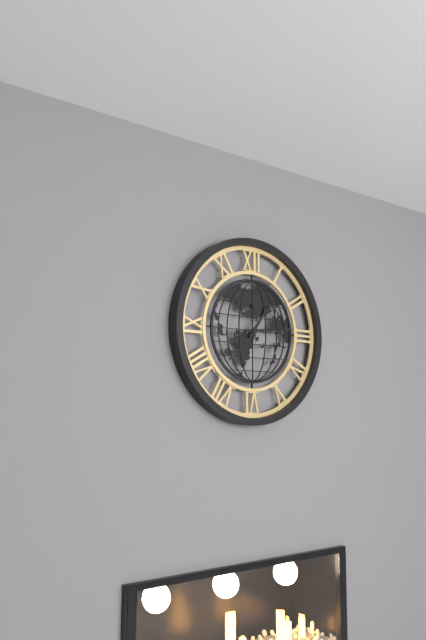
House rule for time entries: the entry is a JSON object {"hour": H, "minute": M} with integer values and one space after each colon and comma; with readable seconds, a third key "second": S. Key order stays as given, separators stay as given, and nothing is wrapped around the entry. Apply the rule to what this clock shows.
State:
{"hour": 1, "minute": 14}
